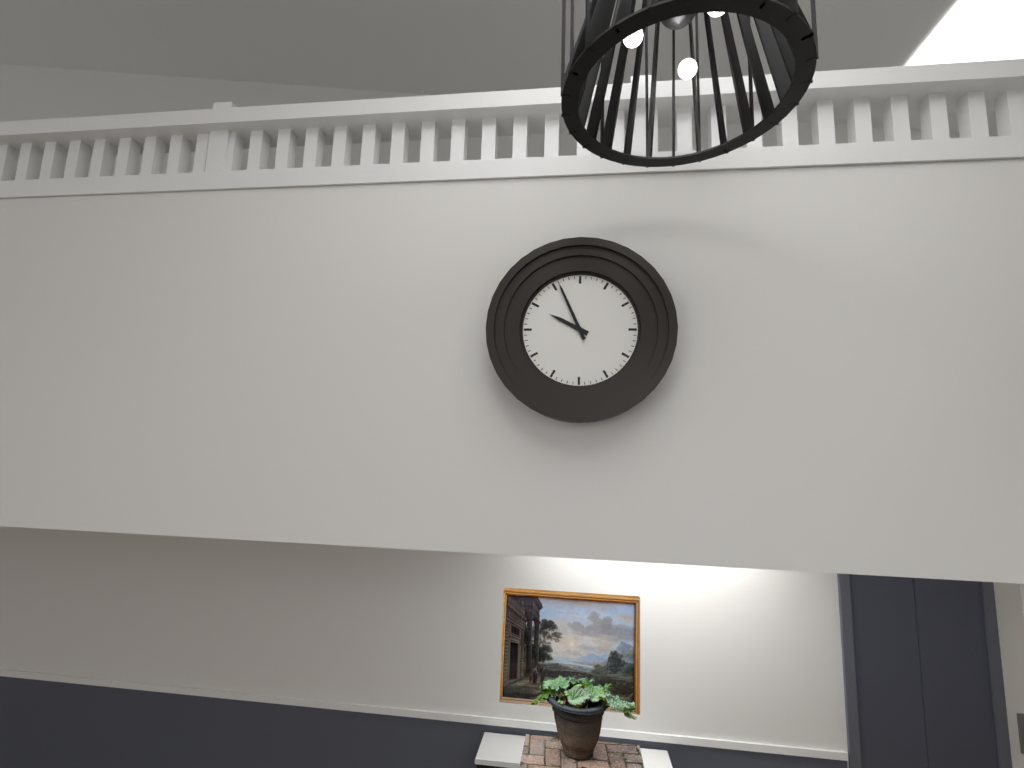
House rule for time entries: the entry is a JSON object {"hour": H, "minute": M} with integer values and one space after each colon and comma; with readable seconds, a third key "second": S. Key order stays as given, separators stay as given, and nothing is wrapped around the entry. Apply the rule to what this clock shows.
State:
{"hour": 9, "minute": 56}
